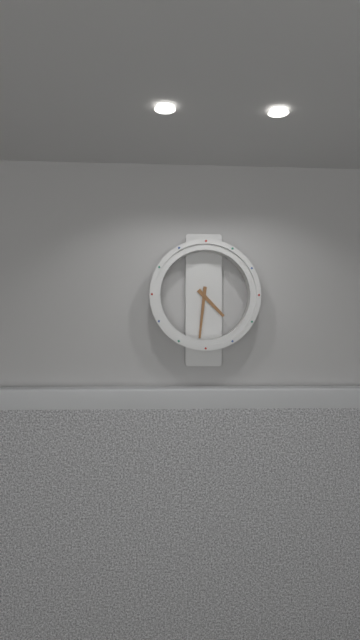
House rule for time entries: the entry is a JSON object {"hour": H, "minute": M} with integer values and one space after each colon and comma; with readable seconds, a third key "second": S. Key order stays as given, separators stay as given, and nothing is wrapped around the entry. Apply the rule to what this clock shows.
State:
{"hour": 4, "minute": 31}
